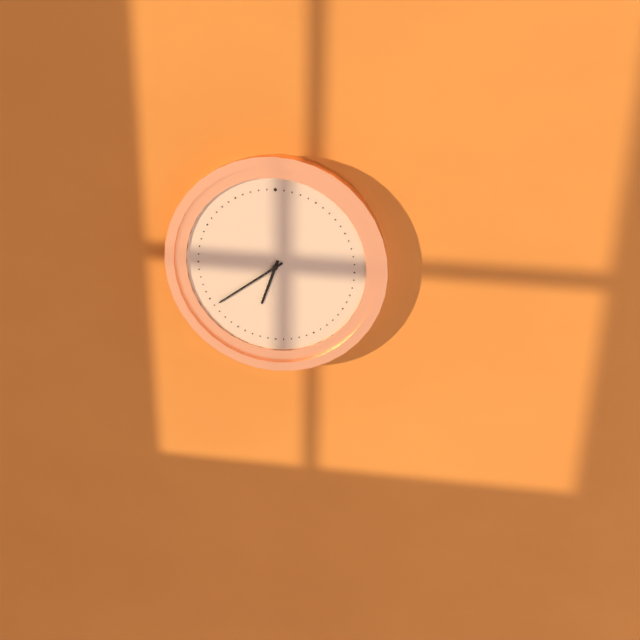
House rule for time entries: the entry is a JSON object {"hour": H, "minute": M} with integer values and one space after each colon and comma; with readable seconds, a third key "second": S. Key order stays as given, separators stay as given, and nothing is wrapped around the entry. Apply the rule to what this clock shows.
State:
{"hour": 6, "minute": 39}
